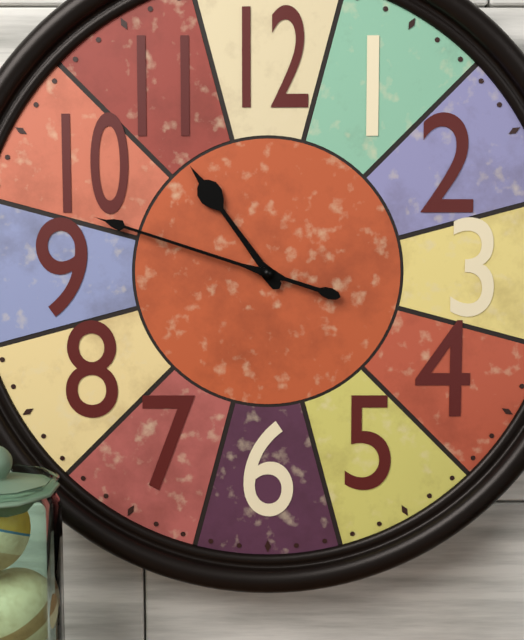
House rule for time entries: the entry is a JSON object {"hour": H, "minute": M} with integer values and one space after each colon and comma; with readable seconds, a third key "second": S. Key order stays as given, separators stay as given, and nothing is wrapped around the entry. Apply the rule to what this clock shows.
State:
{"hour": 10, "minute": 48}
